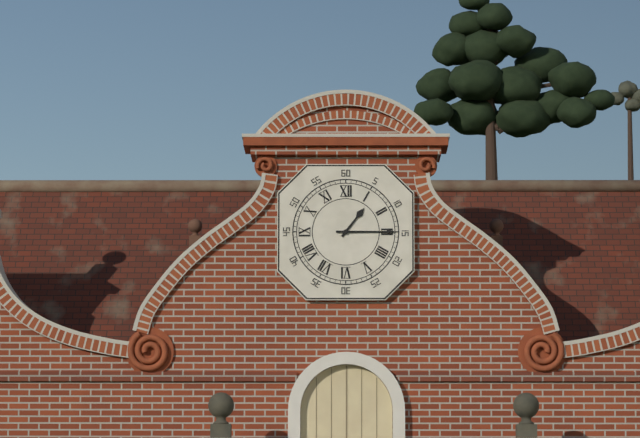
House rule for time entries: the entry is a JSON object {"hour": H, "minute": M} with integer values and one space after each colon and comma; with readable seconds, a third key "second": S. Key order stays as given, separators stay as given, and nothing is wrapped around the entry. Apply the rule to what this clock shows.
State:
{"hour": 1, "minute": 15}
